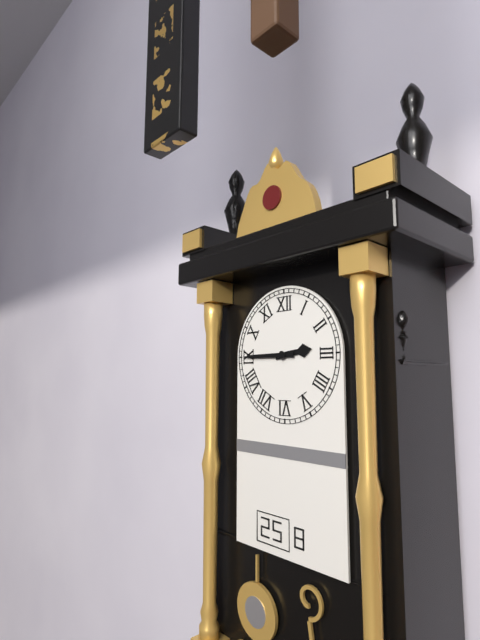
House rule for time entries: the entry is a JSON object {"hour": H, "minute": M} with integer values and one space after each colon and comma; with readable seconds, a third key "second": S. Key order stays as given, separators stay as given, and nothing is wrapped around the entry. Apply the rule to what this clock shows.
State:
{"hour": 2, "minute": 45}
